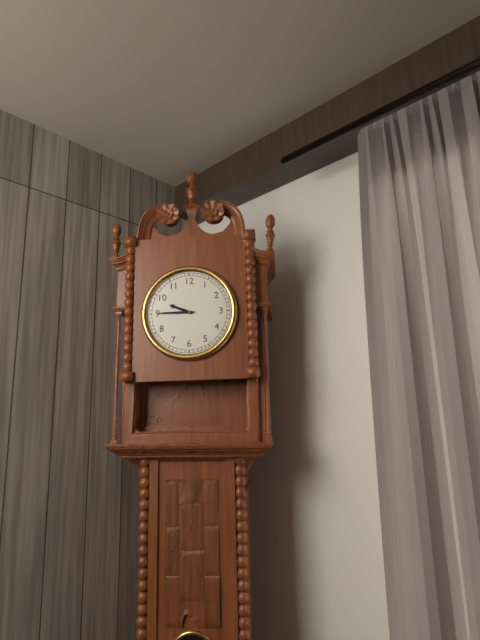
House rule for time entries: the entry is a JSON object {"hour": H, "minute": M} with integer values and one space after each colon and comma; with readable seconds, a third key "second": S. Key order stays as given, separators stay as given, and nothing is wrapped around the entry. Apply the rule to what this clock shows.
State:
{"hour": 9, "minute": 45}
